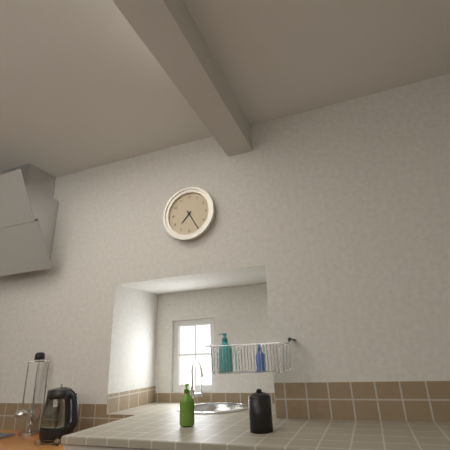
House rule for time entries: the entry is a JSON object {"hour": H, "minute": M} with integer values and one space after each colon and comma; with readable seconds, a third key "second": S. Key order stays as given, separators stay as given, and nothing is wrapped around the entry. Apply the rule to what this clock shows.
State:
{"hour": 7, "minute": 25}
